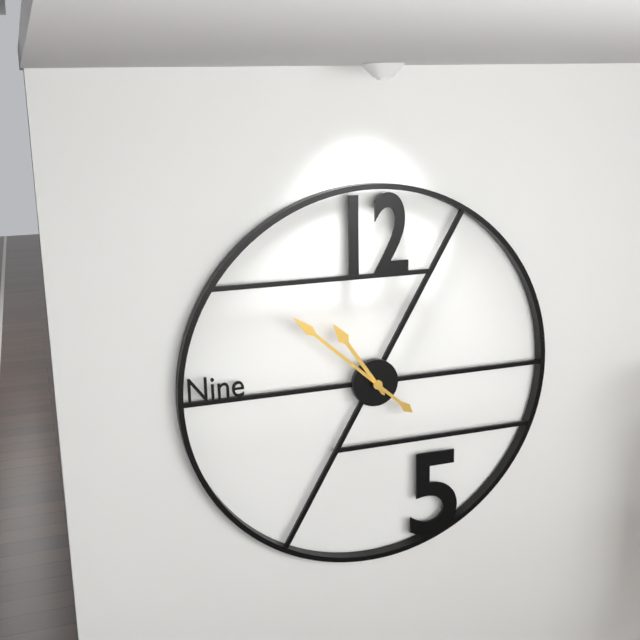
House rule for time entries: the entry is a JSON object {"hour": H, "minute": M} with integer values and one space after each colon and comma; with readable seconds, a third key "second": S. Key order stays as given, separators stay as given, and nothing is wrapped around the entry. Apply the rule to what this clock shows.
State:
{"hour": 10, "minute": 52}
